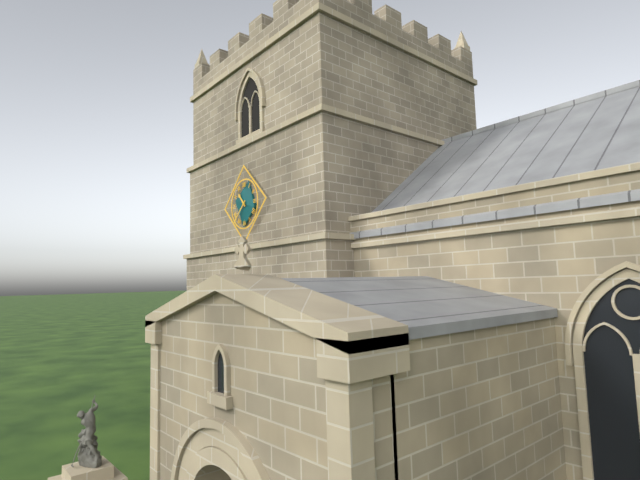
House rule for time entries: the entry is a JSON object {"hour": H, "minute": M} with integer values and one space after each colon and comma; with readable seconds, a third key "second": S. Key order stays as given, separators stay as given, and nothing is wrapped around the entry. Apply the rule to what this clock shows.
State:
{"hour": 10, "minute": 38}
